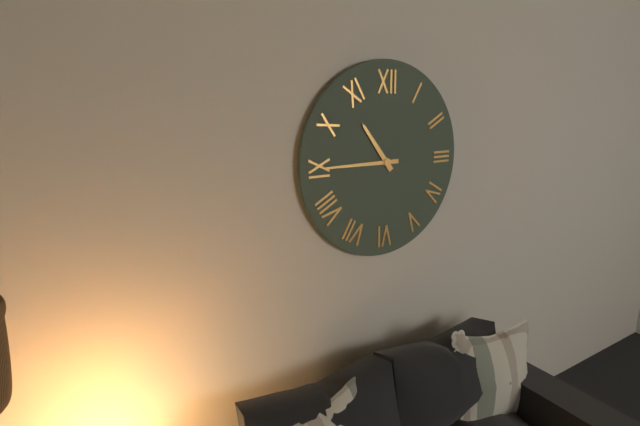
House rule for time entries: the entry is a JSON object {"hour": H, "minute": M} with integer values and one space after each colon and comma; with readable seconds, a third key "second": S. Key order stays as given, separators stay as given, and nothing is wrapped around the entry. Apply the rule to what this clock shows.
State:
{"hour": 10, "minute": 45}
